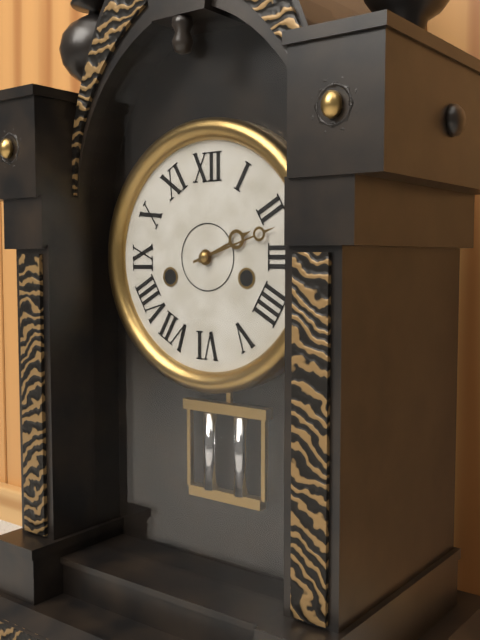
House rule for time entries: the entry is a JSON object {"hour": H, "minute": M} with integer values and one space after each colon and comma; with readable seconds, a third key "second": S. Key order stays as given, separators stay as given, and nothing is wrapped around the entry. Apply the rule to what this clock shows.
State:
{"hour": 2, "minute": 12}
